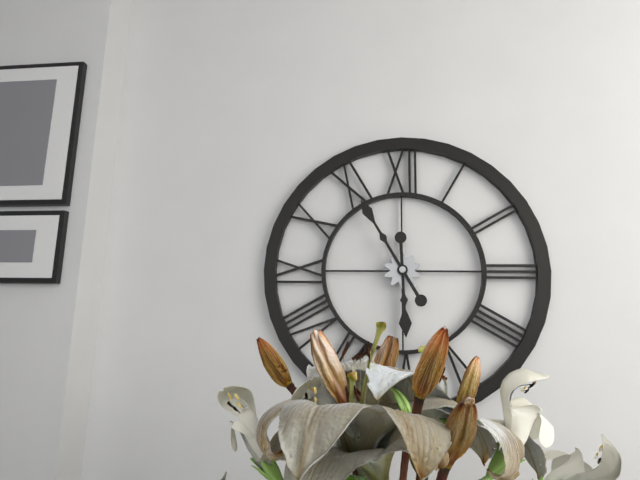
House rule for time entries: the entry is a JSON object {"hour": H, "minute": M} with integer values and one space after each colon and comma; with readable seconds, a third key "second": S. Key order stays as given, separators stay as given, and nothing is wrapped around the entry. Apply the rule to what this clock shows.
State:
{"hour": 5, "minute": 55}
